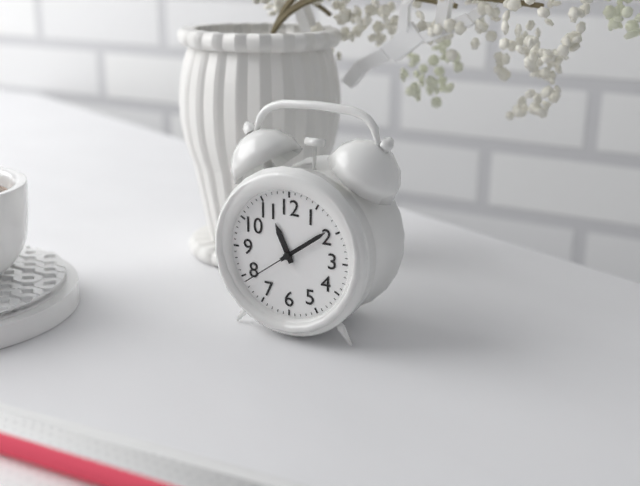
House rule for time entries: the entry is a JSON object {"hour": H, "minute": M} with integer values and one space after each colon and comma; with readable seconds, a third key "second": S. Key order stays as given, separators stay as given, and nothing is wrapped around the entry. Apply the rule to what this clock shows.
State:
{"hour": 11, "minute": 9, "second": 39}
